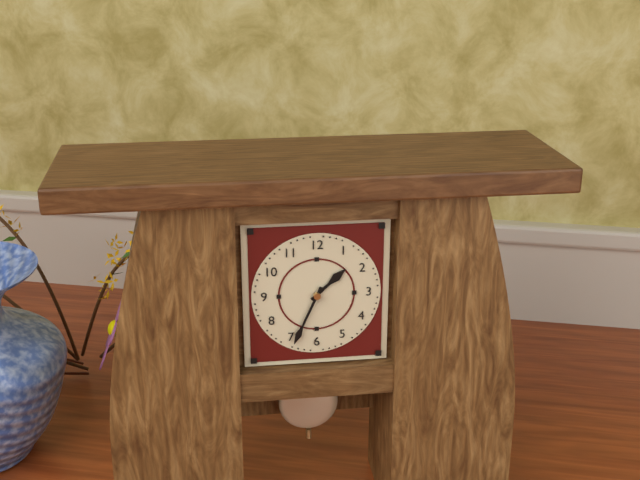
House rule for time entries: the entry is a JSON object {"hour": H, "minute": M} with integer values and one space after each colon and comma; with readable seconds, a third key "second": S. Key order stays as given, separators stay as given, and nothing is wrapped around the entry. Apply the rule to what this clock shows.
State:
{"hour": 1, "minute": 34}
